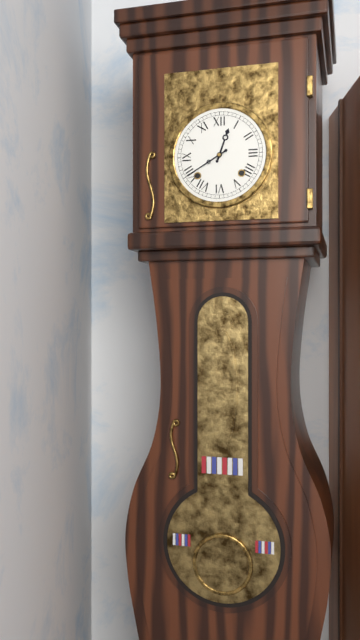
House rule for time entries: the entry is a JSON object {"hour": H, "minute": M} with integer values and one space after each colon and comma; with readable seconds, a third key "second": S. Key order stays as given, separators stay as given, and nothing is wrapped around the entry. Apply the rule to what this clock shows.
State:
{"hour": 12, "minute": 40}
